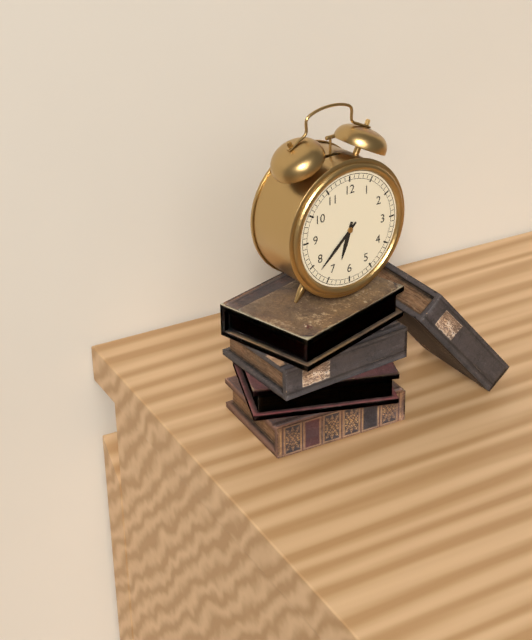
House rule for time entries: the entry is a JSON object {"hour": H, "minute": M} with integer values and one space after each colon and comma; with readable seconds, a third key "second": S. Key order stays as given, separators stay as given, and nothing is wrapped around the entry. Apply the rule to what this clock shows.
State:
{"hour": 6, "minute": 38}
